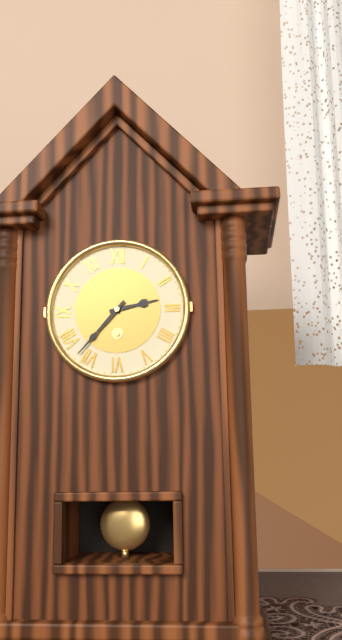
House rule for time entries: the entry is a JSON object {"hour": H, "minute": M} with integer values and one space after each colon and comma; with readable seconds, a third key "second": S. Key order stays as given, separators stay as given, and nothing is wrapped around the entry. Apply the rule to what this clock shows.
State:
{"hour": 2, "minute": 37}
